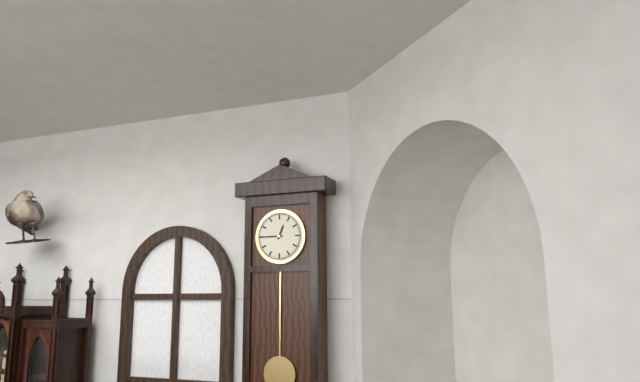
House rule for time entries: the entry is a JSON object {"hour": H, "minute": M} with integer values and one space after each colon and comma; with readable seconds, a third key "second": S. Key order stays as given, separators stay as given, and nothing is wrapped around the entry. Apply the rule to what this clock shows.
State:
{"hour": 12, "minute": 45}
